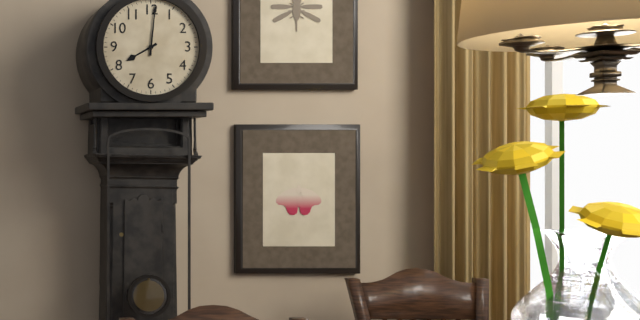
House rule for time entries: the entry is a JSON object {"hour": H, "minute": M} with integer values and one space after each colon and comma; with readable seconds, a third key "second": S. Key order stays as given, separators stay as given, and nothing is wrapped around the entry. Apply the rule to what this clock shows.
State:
{"hour": 8, "minute": 1}
